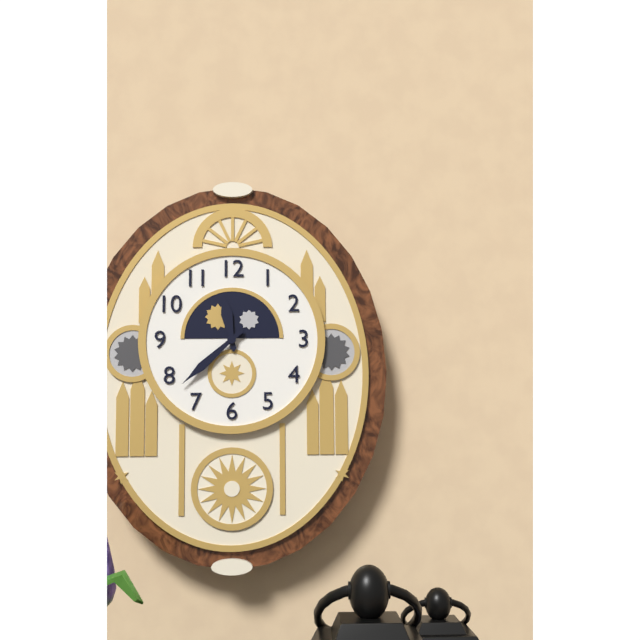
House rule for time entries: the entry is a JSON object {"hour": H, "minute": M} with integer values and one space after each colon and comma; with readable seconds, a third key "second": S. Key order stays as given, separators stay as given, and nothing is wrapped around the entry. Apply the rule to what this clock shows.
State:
{"hour": 11, "minute": 38}
